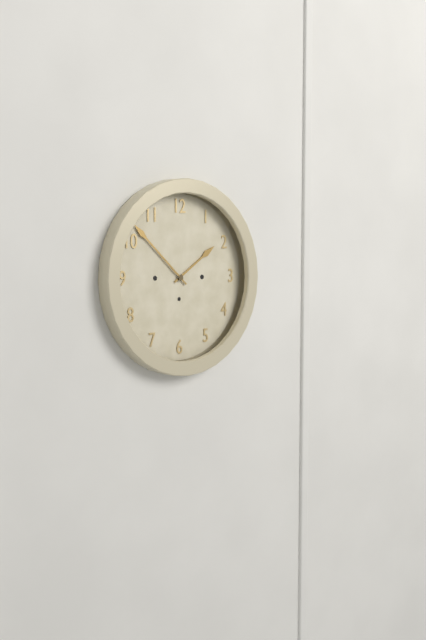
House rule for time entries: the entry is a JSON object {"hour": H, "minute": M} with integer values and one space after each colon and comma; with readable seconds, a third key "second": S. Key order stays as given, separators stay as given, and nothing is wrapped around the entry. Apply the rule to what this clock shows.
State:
{"hour": 1, "minute": 52}
